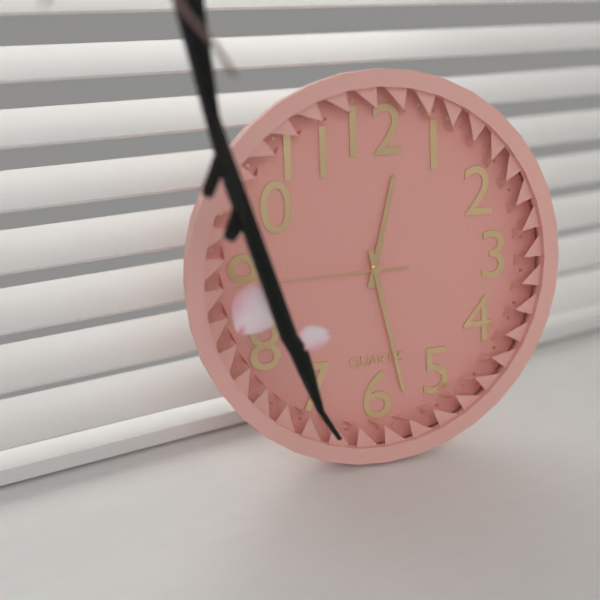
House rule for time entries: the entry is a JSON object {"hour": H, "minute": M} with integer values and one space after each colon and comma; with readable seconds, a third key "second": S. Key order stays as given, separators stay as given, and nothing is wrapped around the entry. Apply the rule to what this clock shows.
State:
{"hour": 12, "minute": 28, "second": 45}
